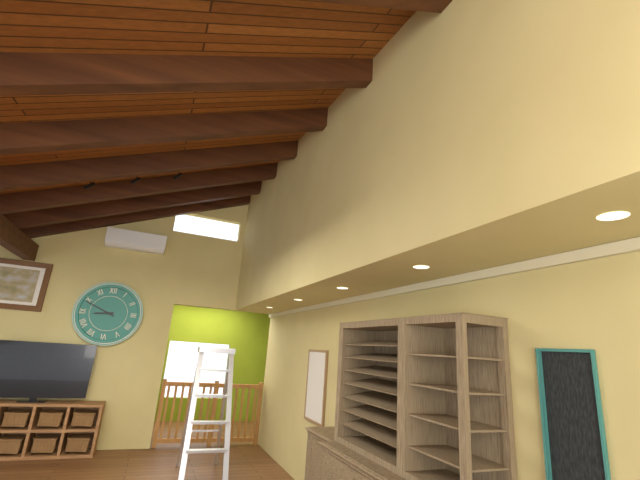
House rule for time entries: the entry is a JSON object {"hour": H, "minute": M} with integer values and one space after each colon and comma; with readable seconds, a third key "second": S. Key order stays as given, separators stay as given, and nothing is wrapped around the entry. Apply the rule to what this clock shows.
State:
{"hour": 8, "minute": 49}
